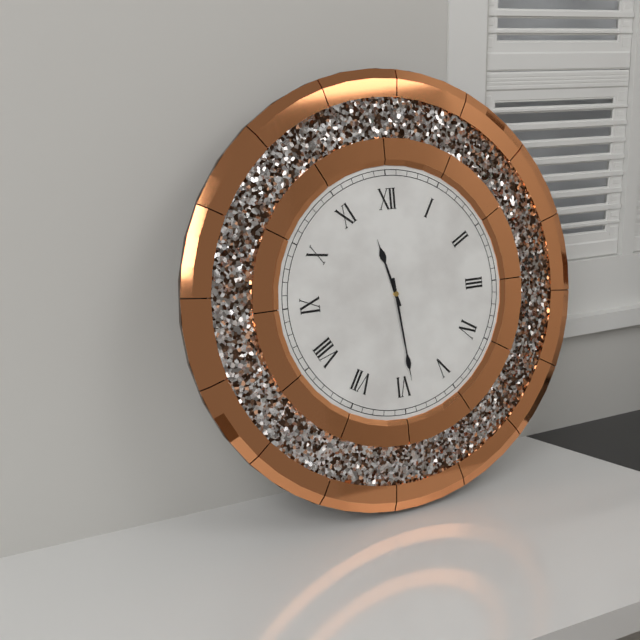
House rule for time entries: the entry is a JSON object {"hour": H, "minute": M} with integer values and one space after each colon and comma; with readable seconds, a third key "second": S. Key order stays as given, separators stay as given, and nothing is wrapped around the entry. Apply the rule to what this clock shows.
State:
{"hour": 11, "minute": 29}
